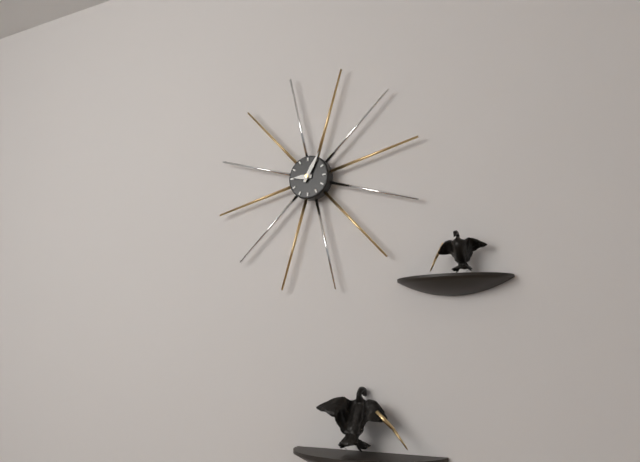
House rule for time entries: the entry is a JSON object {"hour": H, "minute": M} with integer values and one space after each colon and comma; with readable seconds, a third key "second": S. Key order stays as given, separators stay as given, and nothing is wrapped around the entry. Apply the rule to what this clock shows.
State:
{"hour": 9, "minute": 5}
